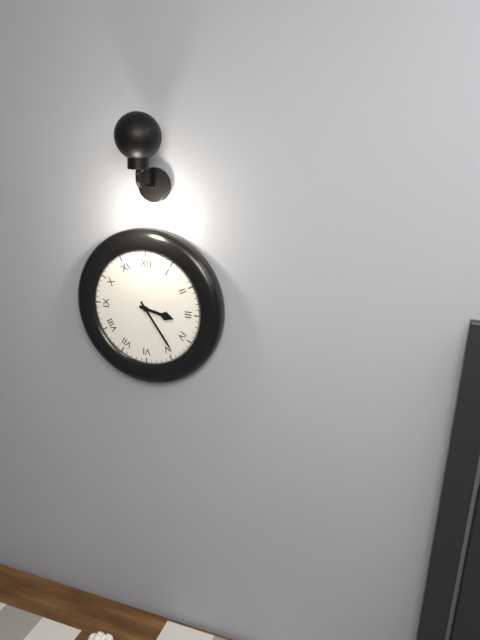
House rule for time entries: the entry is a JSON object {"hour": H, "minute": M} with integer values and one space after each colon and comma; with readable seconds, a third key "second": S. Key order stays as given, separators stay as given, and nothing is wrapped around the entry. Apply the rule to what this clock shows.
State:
{"hour": 3, "minute": 24}
